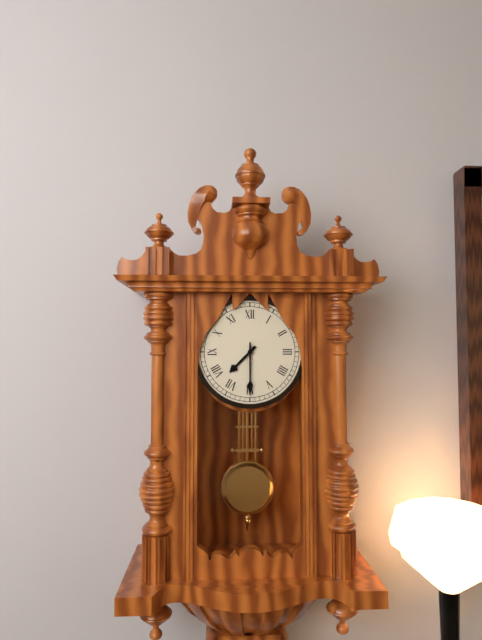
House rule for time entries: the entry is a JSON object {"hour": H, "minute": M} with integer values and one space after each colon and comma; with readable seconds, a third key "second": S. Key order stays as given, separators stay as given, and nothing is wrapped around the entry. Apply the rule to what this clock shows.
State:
{"hour": 7, "minute": 30}
